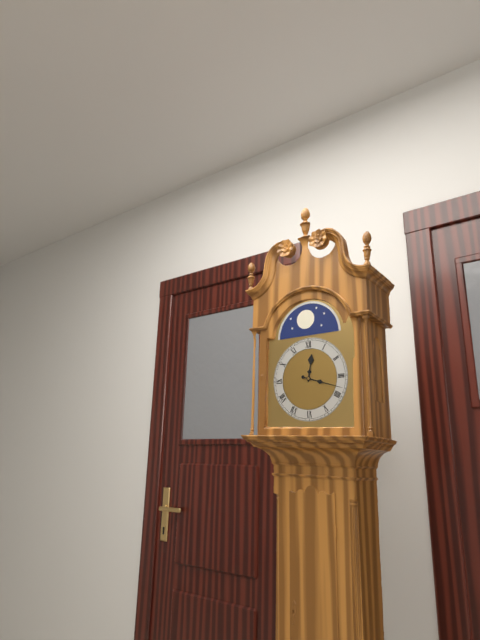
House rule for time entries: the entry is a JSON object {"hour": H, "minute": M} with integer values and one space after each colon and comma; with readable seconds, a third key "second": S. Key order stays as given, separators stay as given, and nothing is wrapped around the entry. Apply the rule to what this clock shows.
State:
{"hour": 12, "minute": 18}
